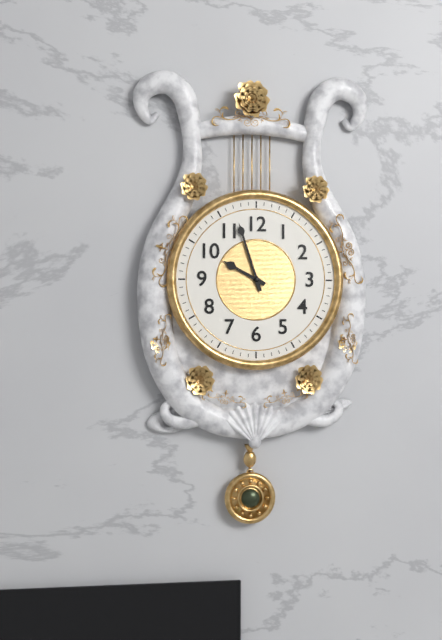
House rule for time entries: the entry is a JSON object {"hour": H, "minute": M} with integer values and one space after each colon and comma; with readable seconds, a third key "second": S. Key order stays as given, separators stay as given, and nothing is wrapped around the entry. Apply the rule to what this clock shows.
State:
{"hour": 9, "minute": 57}
